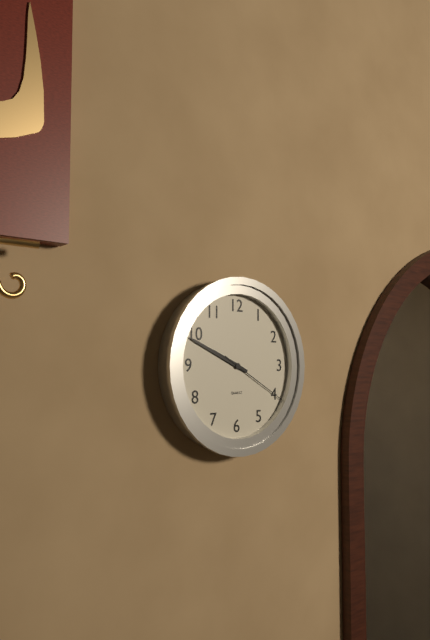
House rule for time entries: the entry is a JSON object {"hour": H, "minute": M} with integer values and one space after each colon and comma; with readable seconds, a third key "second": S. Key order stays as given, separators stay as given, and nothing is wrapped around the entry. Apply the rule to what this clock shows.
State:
{"hour": 9, "minute": 49, "second": 20}
